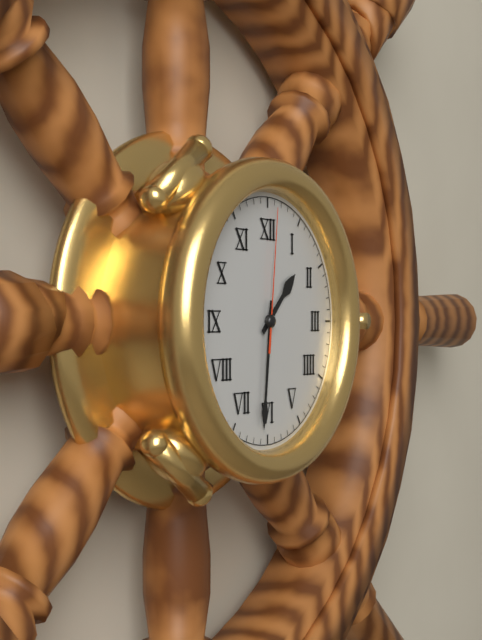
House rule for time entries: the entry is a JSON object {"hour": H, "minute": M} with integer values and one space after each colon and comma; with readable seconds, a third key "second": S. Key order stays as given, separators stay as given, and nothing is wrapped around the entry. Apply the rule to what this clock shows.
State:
{"hour": 1, "minute": 31, "second": 1}
